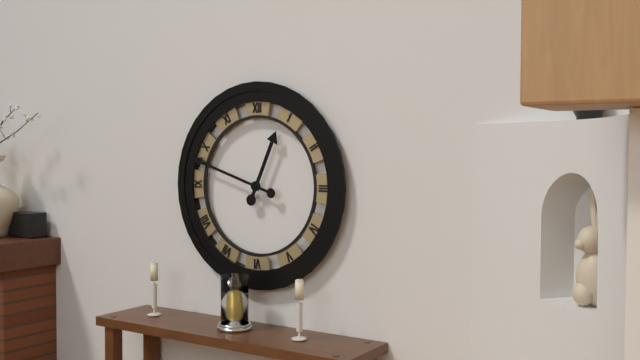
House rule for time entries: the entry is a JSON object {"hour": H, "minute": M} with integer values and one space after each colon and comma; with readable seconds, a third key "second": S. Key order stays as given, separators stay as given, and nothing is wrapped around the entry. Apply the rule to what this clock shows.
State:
{"hour": 12, "minute": 48}
